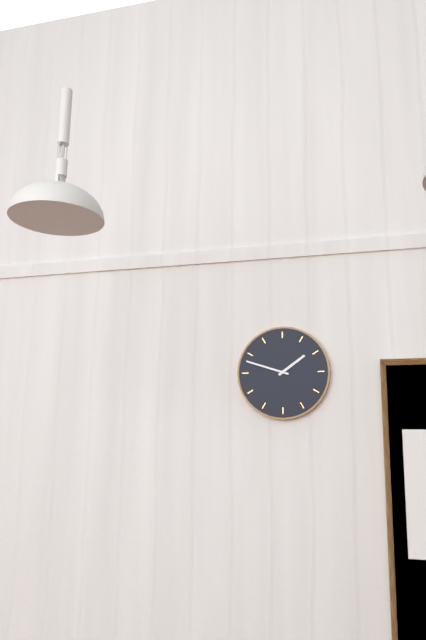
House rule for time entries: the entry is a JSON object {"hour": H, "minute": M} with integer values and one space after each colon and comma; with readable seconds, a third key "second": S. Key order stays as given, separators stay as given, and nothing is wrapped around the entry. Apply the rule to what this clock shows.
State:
{"hour": 1, "minute": 48}
